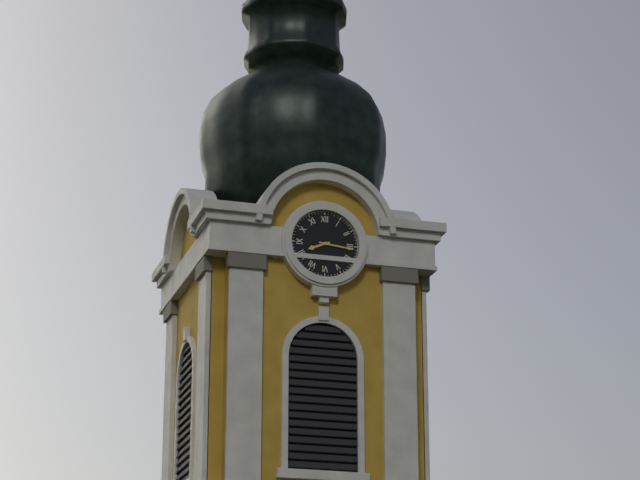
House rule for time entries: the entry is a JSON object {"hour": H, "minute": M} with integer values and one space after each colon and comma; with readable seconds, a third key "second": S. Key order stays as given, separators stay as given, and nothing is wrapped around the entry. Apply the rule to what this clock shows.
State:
{"hour": 8, "minute": 16}
